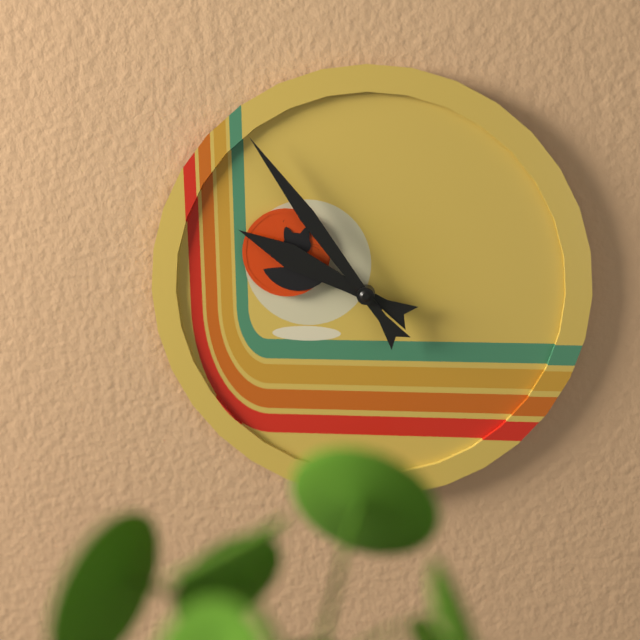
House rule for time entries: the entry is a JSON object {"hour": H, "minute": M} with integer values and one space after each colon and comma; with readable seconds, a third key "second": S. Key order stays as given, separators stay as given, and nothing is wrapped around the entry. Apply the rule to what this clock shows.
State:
{"hour": 9, "minute": 54}
